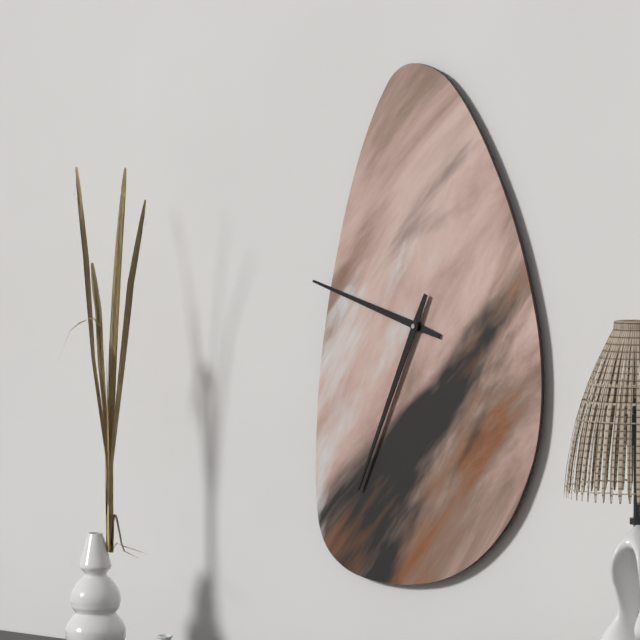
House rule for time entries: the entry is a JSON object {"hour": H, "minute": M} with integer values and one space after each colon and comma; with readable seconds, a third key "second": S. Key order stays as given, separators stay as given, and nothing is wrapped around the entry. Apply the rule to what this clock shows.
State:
{"hour": 9, "minute": 34}
